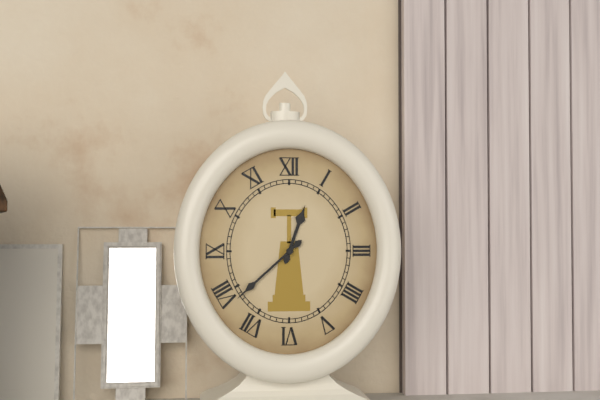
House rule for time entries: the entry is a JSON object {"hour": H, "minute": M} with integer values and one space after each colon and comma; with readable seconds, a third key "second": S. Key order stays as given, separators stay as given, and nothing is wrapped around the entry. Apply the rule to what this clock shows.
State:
{"hour": 12, "minute": 38}
